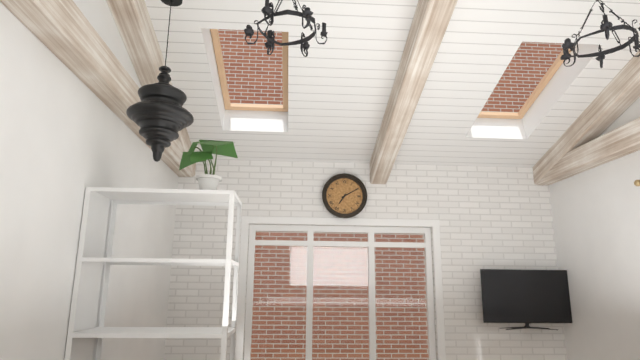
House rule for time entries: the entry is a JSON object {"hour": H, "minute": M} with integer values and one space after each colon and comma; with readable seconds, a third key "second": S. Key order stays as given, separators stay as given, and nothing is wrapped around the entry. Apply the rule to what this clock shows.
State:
{"hour": 7, "minute": 10}
